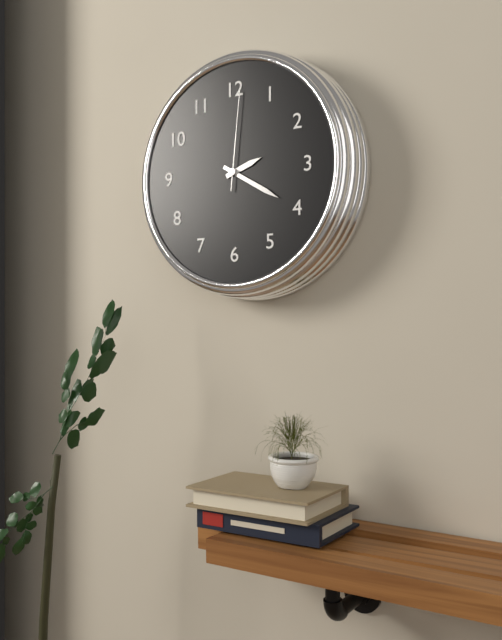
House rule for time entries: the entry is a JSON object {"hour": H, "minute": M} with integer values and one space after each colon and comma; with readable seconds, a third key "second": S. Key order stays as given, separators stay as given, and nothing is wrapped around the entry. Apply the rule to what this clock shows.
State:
{"hour": 2, "minute": 20, "second": 1}
